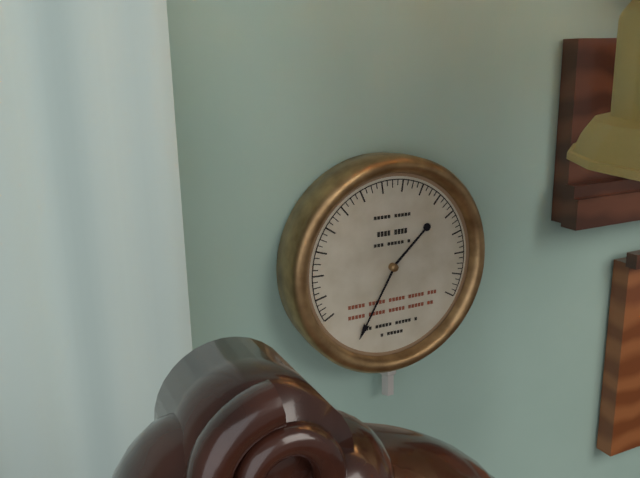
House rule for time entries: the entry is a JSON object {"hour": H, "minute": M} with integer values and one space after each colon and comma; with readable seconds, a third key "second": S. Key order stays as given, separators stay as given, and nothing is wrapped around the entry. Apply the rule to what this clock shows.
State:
{"hour": 1, "minute": 35}
